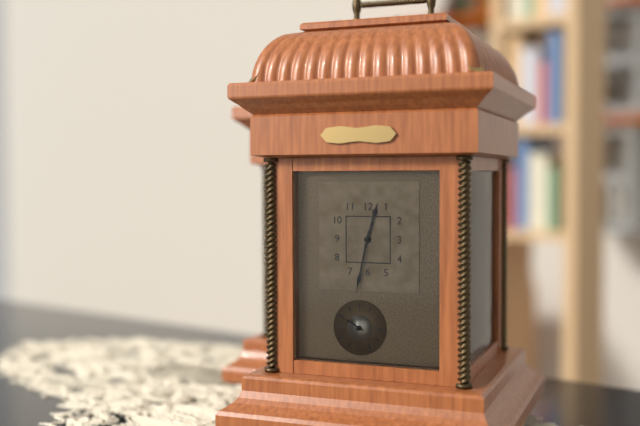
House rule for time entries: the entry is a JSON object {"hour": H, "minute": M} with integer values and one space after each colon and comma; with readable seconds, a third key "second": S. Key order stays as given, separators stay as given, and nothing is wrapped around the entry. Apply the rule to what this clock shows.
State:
{"hour": 12, "minute": 32}
